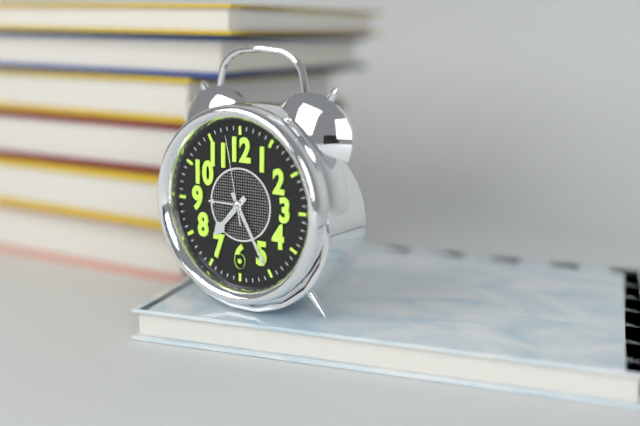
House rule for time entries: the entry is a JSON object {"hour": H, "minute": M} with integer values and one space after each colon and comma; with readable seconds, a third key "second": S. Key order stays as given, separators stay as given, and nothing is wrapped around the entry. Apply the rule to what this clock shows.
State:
{"hour": 7, "minute": 25, "second": 58}
